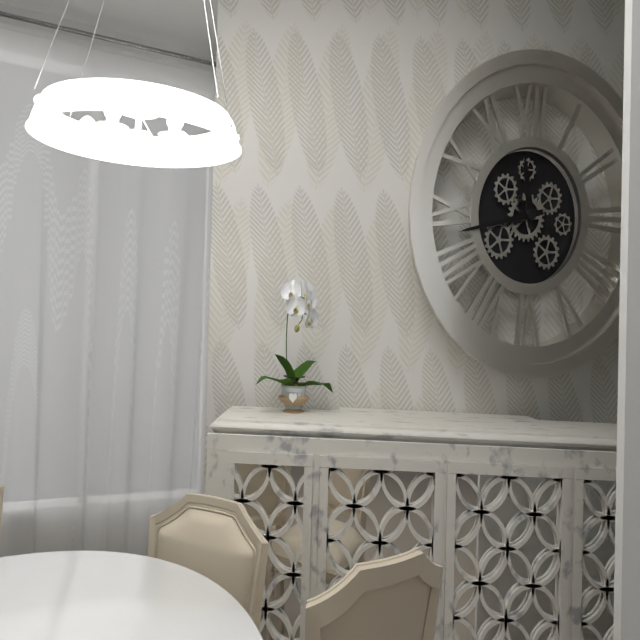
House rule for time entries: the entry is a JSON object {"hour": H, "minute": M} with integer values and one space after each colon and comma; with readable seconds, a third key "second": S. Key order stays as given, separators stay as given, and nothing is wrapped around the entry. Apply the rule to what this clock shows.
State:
{"hour": 11, "minute": 43}
